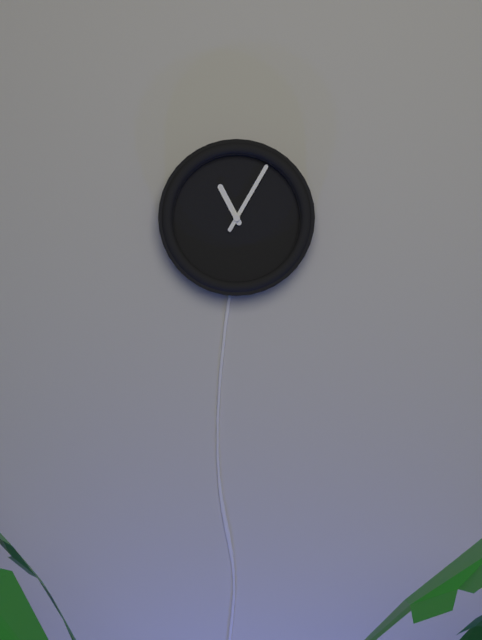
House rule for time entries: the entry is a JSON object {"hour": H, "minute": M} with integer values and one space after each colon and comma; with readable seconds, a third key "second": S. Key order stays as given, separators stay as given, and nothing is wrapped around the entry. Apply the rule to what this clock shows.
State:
{"hour": 11, "minute": 5}
